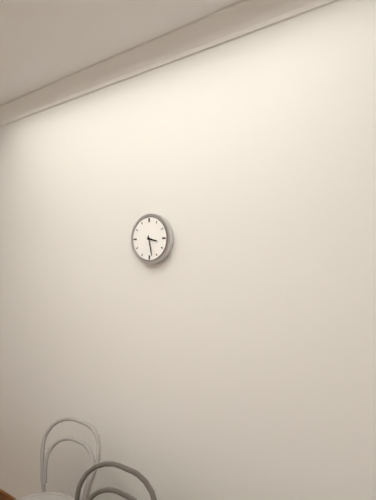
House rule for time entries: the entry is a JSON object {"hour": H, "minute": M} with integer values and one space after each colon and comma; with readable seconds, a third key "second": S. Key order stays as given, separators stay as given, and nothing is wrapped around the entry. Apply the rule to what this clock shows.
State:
{"hour": 3, "minute": 28}
